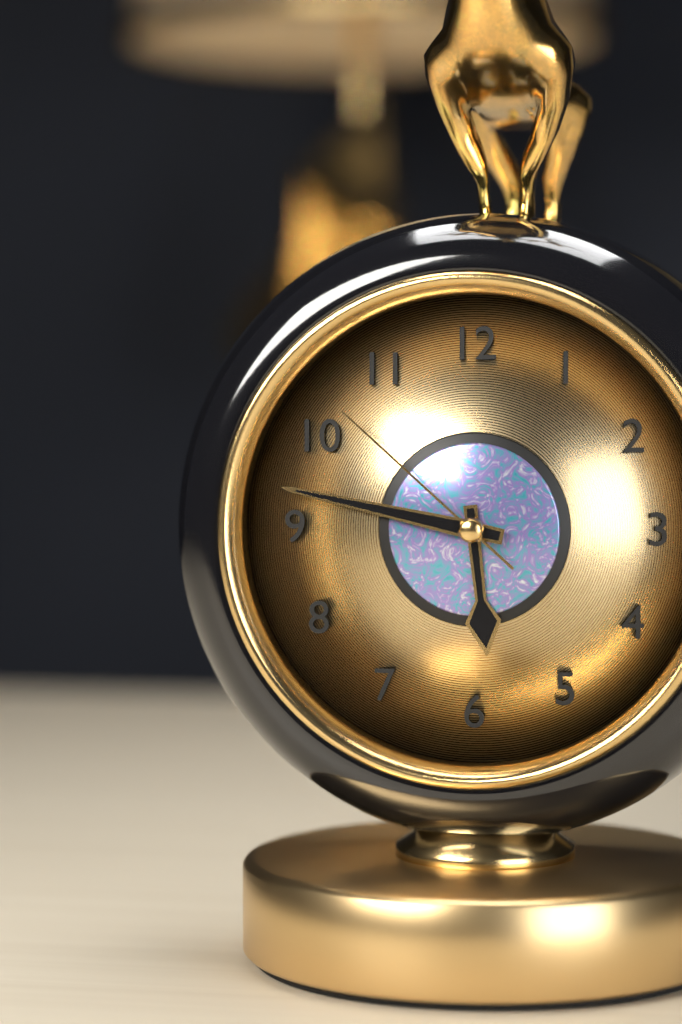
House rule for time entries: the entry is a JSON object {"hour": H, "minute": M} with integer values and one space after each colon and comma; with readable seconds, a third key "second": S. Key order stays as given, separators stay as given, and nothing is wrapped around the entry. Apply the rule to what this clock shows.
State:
{"hour": 5, "minute": 47, "second": 52}
